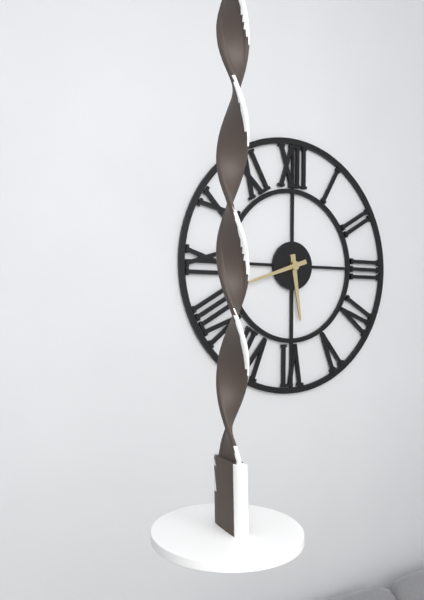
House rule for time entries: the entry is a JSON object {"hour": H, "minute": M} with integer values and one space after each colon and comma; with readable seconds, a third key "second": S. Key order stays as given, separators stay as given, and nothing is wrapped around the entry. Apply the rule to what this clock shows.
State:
{"hour": 5, "minute": 42}
